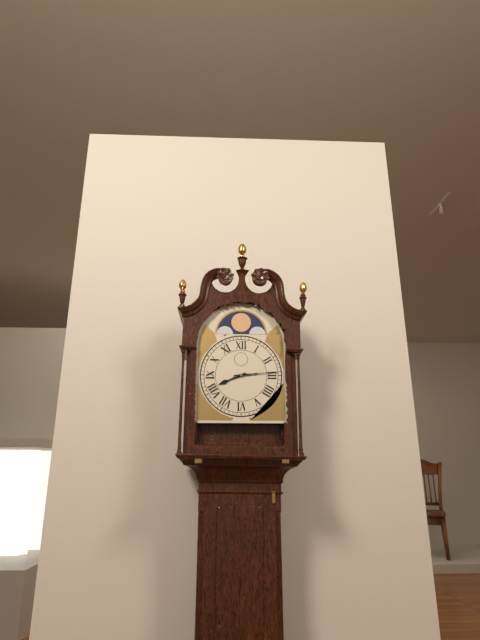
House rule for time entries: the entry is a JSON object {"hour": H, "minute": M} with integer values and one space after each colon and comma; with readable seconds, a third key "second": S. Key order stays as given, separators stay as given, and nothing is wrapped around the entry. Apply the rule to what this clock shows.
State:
{"hour": 8, "minute": 14}
